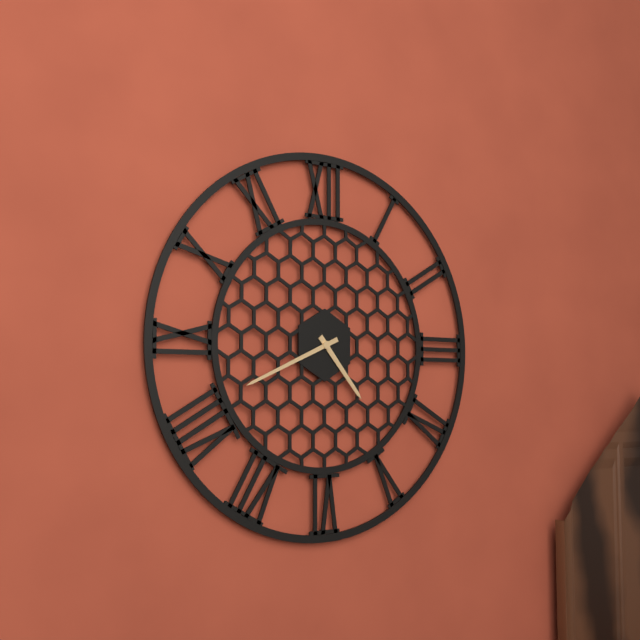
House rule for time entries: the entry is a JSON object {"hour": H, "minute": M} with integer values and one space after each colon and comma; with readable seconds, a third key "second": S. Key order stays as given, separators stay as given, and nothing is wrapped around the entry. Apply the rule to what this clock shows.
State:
{"hour": 4, "minute": 41}
